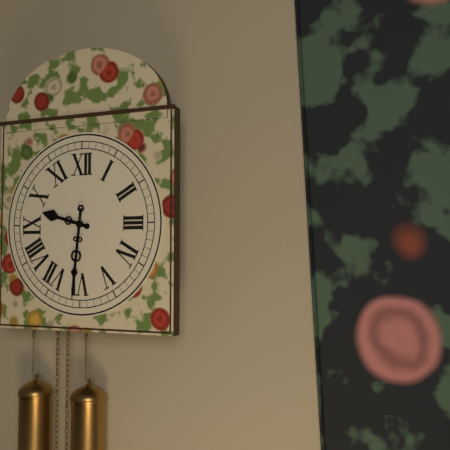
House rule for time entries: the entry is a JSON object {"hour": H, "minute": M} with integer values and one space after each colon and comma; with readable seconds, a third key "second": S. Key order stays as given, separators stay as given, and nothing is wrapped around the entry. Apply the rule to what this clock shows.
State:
{"hour": 9, "minute": 31}
